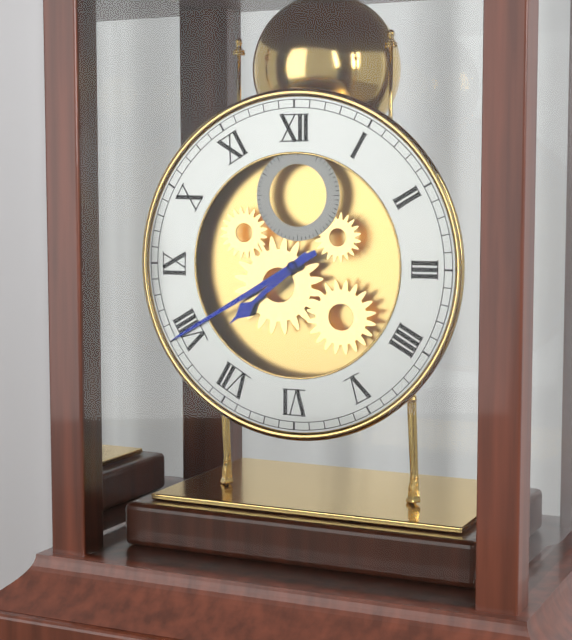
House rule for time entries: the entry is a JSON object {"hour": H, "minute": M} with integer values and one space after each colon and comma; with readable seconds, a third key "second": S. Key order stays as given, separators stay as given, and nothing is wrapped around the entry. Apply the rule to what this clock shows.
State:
{"hour": 7, "minute": 40}
